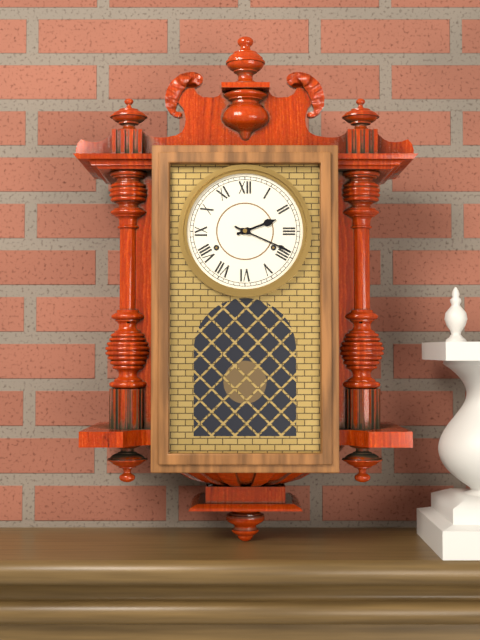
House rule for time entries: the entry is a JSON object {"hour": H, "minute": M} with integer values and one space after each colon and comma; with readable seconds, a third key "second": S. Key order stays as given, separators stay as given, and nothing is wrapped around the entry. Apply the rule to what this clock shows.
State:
{"hour": 2, "minute": 19}
